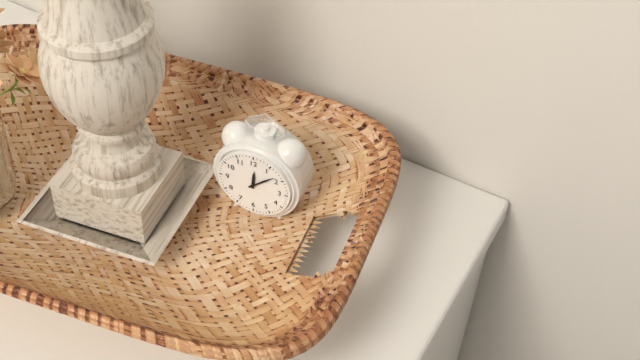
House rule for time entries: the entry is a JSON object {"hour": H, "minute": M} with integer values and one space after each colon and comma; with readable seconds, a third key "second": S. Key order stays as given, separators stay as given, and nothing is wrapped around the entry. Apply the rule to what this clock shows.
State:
{"hour": 12, "minute": 8}
